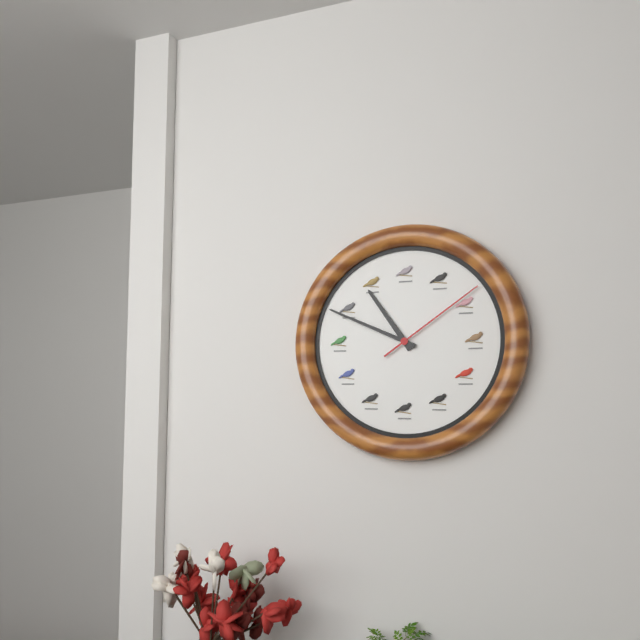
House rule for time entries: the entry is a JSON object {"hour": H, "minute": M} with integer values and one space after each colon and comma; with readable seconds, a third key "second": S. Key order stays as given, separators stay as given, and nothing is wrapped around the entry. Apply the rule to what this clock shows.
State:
{"hour": 10, "minute": 49, "second": 9}
